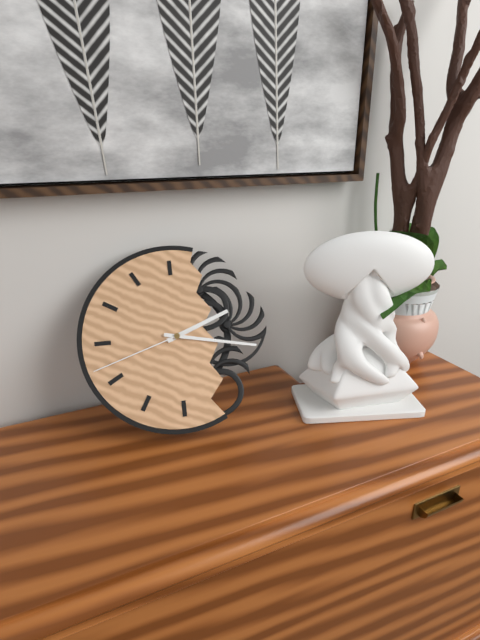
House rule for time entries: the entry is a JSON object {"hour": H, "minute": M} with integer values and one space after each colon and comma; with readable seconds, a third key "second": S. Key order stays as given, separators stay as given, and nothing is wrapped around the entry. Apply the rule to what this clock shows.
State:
{"hour": 2, "minute": 17, "second": 42}
